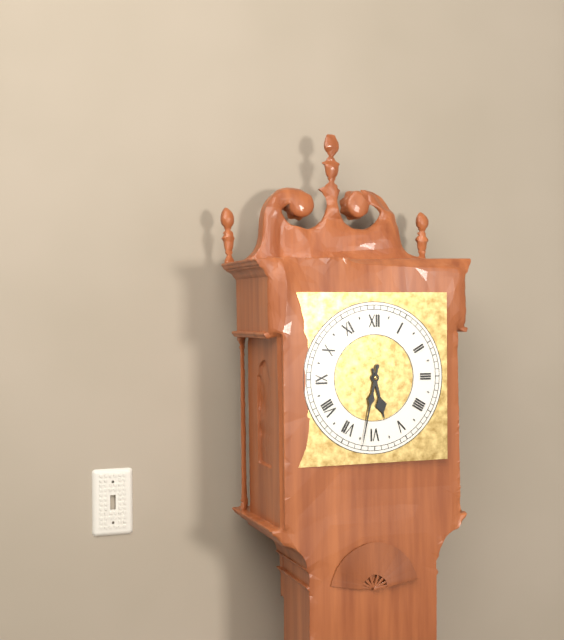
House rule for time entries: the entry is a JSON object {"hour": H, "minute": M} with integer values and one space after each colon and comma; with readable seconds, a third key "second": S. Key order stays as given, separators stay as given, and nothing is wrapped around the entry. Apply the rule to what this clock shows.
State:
{"hour": 5, "minute": 32}
